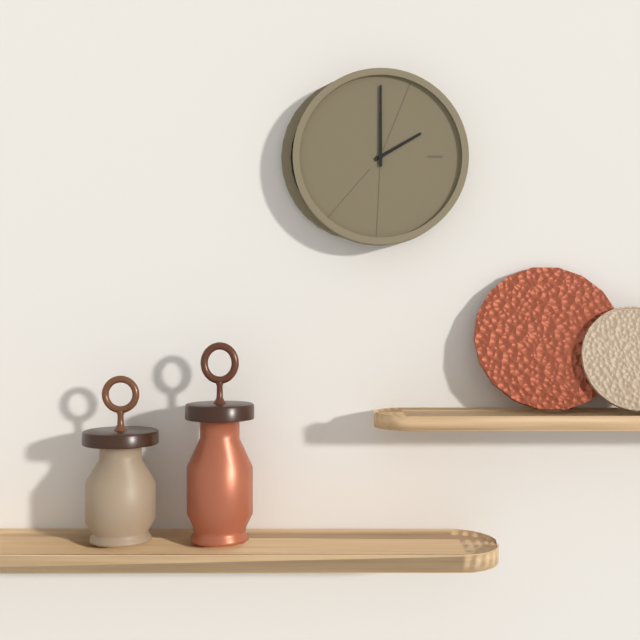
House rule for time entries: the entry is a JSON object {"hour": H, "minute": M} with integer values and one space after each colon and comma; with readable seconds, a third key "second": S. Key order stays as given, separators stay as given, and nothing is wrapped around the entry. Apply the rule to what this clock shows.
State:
{"hour": 2, "minute": 0}
